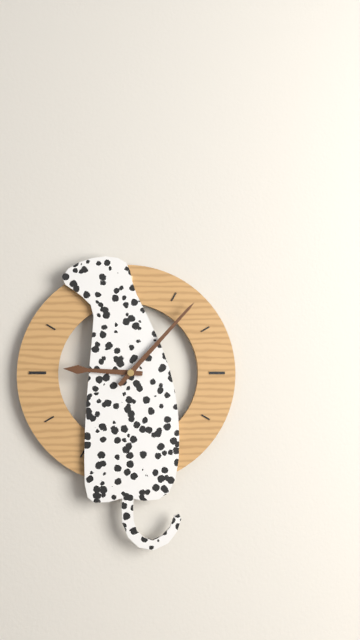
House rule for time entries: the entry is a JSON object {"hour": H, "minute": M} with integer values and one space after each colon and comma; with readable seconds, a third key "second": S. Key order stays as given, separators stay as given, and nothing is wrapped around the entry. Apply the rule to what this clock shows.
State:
{"hour": 9, "minute": 7}
